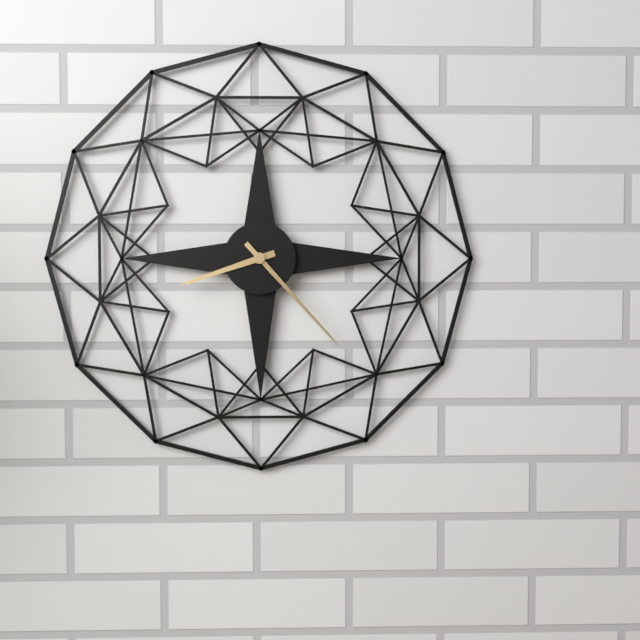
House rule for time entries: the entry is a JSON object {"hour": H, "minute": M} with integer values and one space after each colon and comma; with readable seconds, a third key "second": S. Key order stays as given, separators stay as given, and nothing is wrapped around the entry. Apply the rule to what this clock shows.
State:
{"hour": 8, "minute": 23}
